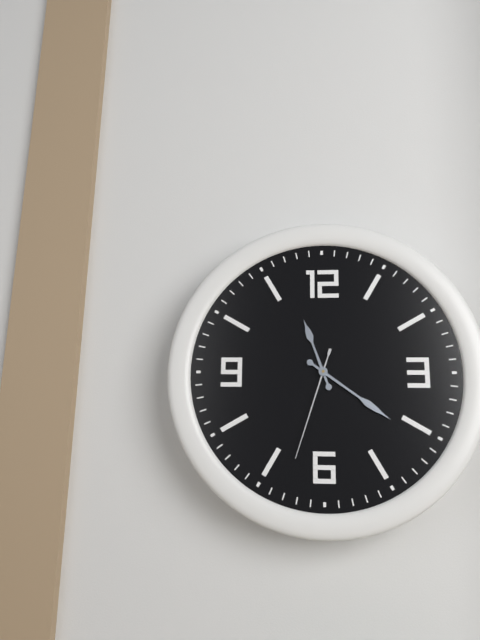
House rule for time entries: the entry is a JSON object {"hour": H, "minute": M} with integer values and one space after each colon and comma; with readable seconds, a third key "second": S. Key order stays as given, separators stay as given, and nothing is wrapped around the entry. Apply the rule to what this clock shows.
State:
{"hour": 11, "minute": 21, "second": 33}
